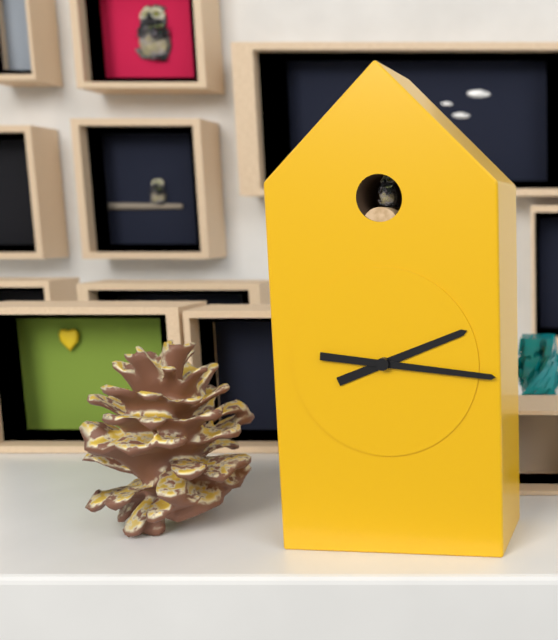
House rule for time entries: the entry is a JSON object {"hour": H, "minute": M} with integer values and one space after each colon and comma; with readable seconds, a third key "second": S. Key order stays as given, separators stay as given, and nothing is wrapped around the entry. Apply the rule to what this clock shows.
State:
{"hour": 2, "minute": 16}
